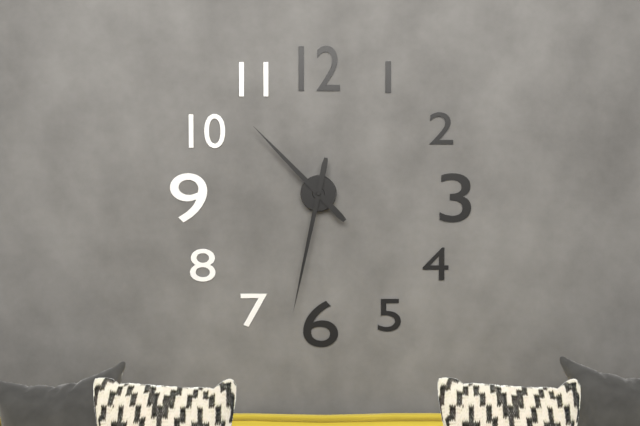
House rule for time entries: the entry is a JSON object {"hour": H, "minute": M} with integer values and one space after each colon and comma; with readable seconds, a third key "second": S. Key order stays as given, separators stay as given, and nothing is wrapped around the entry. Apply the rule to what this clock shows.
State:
{"hour": 10, "minute": 32}
